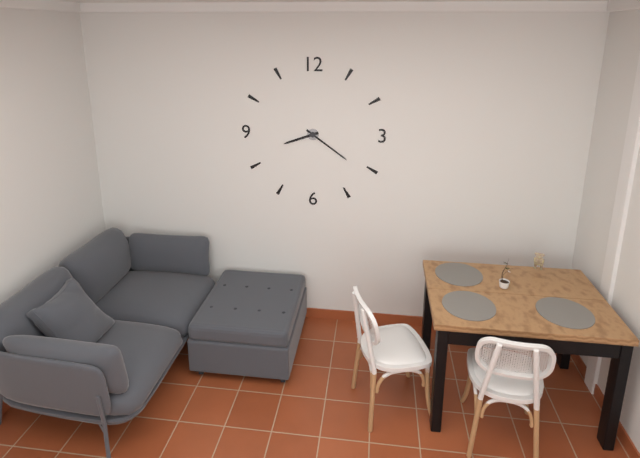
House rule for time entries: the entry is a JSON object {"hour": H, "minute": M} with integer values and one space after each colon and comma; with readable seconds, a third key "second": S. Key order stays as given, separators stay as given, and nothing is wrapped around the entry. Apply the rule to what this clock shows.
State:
{"hour": 8, "minute": 21}
